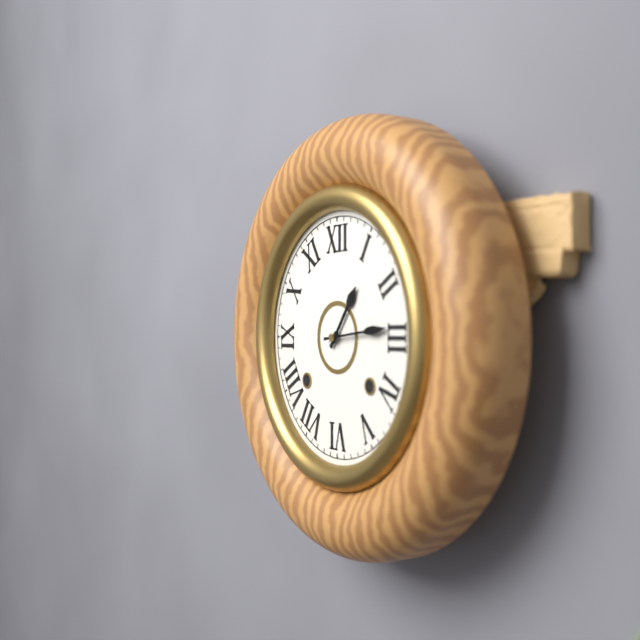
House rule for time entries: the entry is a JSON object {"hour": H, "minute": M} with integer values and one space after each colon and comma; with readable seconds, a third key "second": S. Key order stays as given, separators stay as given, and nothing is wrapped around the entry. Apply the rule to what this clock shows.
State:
{"hour": 1, "minute": 14}
